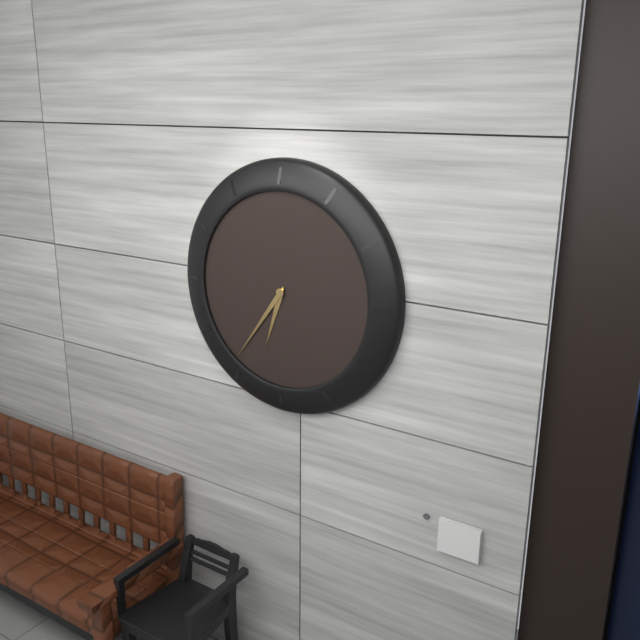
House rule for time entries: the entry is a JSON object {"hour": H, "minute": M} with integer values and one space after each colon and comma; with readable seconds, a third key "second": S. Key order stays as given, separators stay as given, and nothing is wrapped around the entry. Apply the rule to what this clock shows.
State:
{"hour": 6, "minute": 36}
